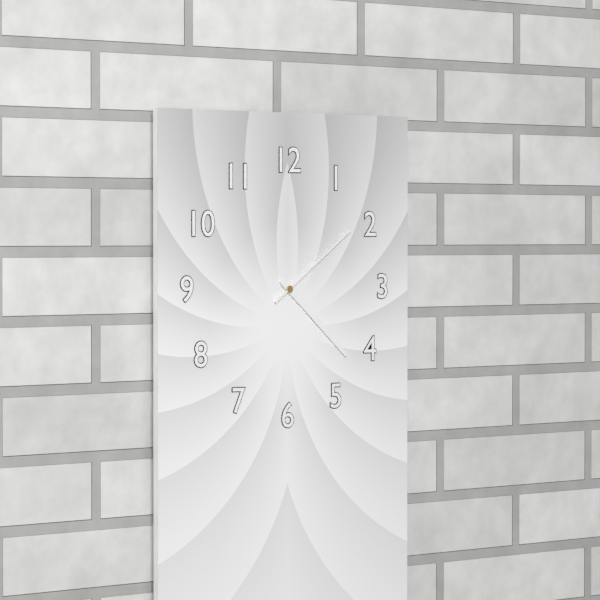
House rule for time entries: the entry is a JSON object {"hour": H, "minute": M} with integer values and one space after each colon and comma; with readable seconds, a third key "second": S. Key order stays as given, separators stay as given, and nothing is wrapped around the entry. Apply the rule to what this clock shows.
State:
{"hour": 4, "minute": 22, "second": 9}
